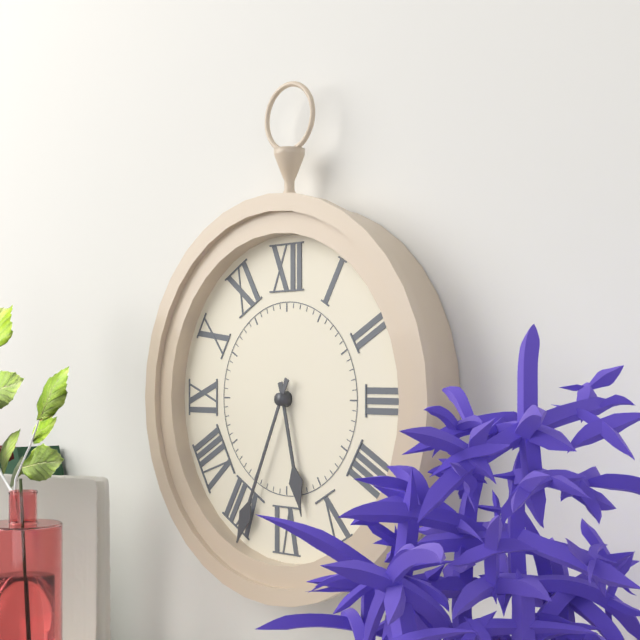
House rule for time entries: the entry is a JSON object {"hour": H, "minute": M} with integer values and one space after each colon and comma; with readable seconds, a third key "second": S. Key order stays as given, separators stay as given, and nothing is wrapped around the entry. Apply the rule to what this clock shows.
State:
{"hour": 5, "minute": 34}
